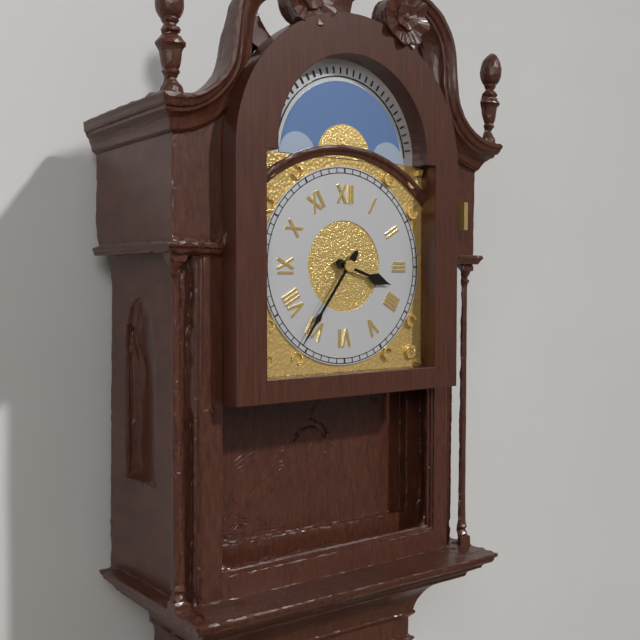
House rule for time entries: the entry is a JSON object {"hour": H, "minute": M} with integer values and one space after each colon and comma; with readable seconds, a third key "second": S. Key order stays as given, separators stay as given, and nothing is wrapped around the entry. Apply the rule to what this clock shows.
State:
{"hour": 3, "minute": 36}
